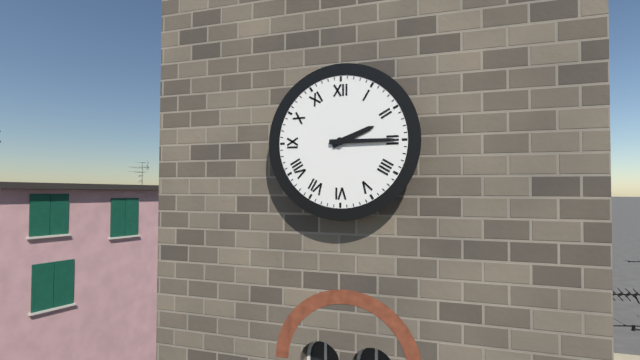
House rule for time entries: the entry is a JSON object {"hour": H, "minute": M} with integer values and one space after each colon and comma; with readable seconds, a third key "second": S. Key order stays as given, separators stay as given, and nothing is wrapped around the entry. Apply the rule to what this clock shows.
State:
{"hour": 2, "minute": 15}
